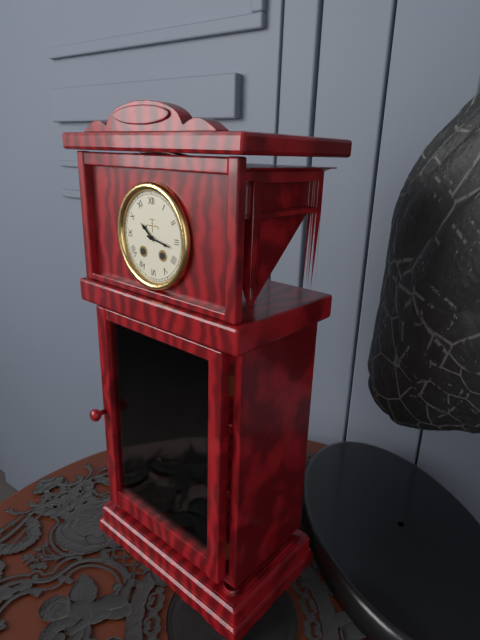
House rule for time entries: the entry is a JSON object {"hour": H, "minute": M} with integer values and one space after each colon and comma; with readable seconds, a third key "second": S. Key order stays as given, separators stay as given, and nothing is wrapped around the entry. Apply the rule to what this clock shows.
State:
{"hour": 10, "minute": 17}
